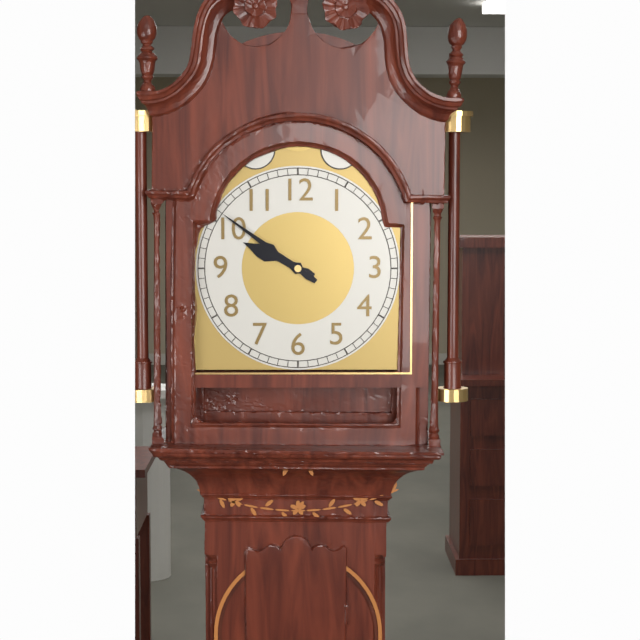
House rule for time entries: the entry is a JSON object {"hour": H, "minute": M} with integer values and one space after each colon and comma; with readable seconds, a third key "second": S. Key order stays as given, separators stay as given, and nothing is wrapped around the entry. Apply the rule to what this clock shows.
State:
{"hour": 9, "minute": 51}
